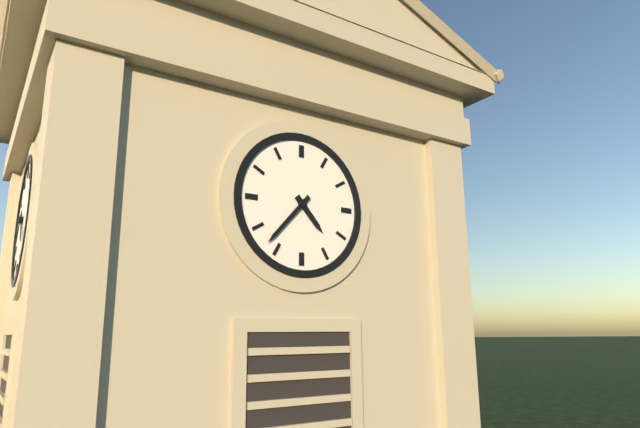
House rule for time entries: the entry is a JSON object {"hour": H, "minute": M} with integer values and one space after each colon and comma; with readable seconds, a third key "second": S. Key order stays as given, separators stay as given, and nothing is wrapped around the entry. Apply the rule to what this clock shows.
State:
{"hour": 4, "minute": 37}
